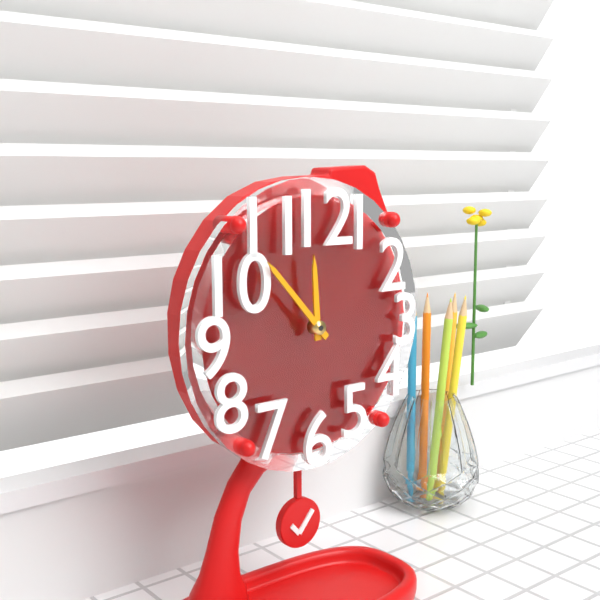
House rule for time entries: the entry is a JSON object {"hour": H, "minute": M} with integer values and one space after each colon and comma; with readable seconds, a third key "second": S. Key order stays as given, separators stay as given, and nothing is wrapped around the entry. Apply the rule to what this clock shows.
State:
{"hour": 11, "minute": 53}
